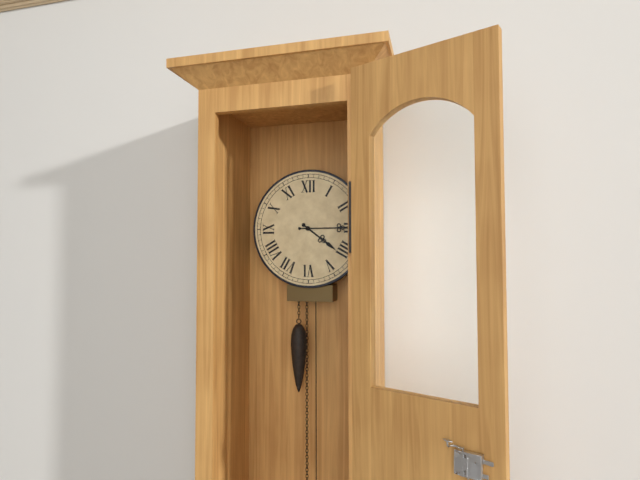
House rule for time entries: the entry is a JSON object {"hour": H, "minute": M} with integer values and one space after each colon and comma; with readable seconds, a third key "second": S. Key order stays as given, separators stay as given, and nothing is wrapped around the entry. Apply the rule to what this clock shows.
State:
{"hour": 4, "minute": 15}
